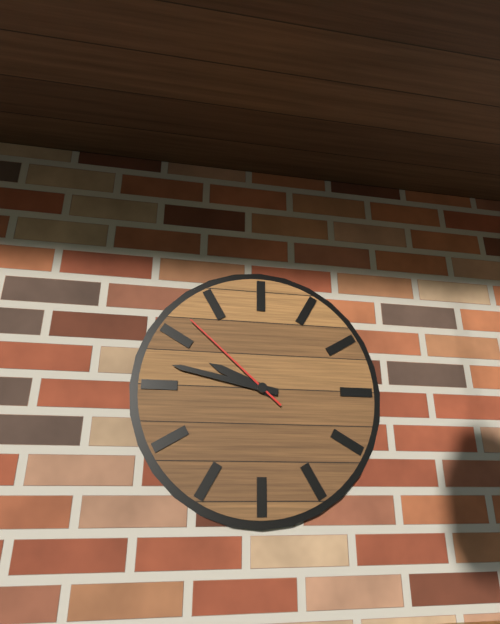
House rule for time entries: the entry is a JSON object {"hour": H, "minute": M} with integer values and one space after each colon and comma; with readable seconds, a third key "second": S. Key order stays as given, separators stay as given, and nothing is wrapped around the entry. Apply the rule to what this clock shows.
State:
{"hour": 9, "minute": 47, "second": 52}
